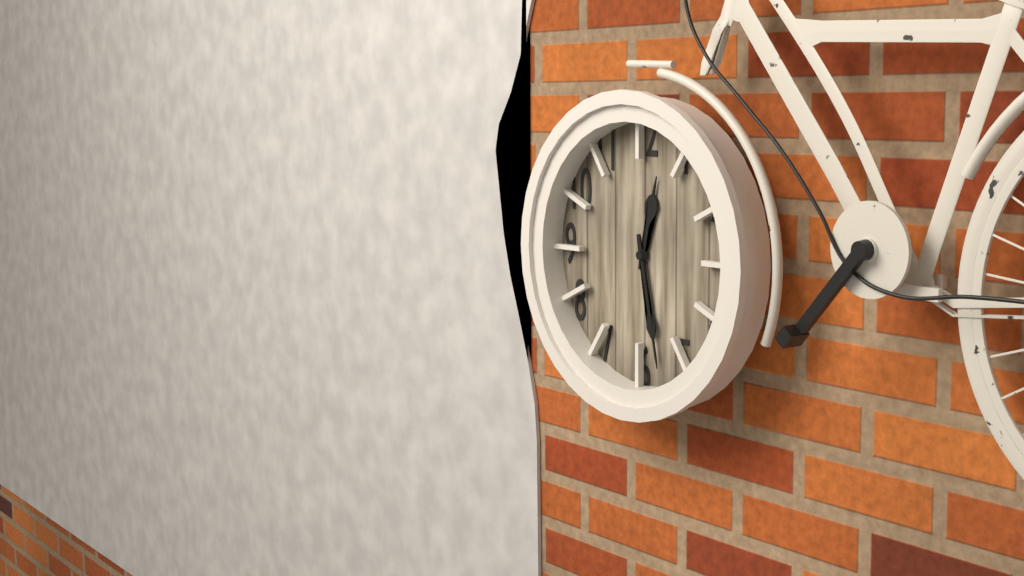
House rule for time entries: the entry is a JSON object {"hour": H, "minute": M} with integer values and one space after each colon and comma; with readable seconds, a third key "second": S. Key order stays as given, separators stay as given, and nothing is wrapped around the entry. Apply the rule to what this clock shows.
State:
{"hour": 12, "minute": 28}
